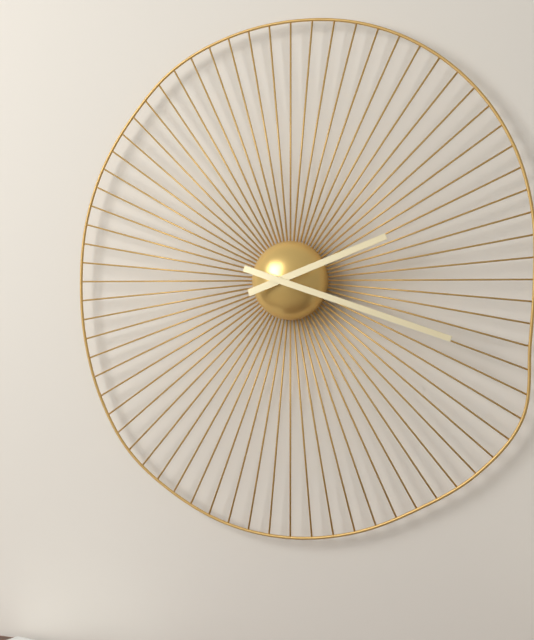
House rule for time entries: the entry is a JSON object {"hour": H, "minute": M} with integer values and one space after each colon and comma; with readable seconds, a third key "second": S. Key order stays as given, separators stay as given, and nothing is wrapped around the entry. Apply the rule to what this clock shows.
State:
{"hour": 2, "minute": 18}
